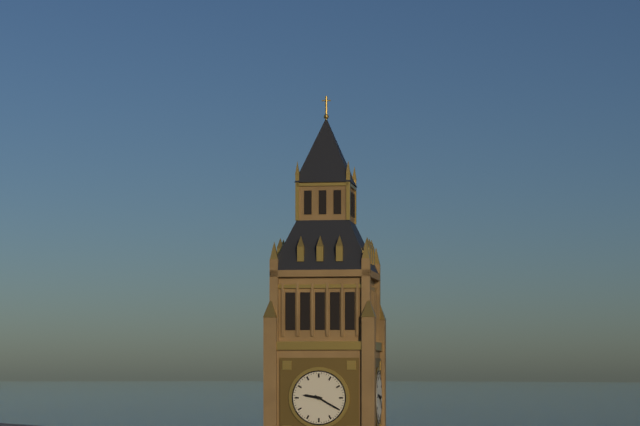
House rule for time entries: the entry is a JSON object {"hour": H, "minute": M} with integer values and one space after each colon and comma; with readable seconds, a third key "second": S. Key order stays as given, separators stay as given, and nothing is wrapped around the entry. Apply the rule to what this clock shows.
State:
{"hour": 9, "minute": 20}
